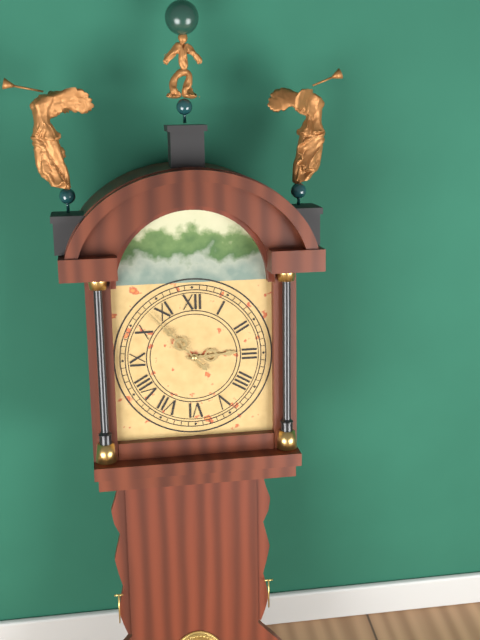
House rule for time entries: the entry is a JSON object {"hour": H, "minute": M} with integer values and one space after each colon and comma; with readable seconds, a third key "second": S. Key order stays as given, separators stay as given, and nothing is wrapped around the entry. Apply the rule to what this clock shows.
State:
{"hour": 2, "minute": 53}
